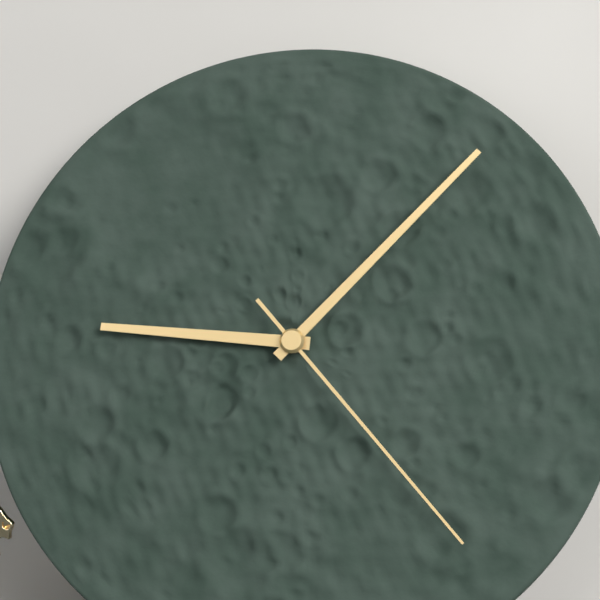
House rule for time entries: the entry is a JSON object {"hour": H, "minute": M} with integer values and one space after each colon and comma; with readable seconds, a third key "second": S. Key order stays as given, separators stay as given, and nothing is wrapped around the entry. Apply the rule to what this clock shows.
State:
{"hour": 9, "minute": 7, "second": 23}
